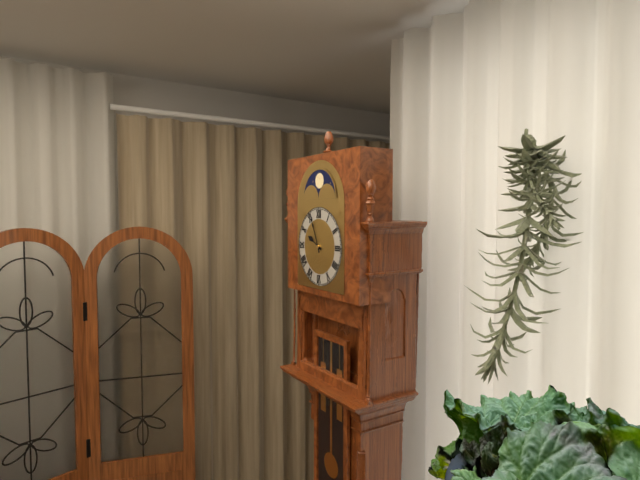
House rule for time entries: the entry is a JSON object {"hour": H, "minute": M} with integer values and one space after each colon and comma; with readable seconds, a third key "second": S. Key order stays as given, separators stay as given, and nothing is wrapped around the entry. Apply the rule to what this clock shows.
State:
{"hour": 9, "minute": 56}
